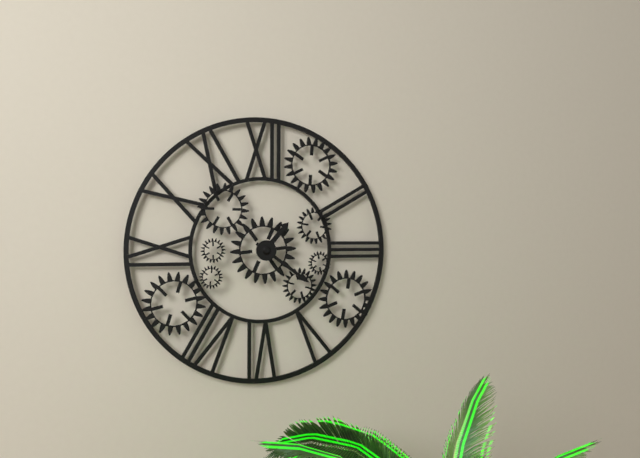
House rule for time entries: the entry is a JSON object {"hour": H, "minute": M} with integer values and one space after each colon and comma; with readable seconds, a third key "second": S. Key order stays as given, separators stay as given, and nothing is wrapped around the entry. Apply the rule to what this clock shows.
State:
{"hour": 1, "minute": 21}
